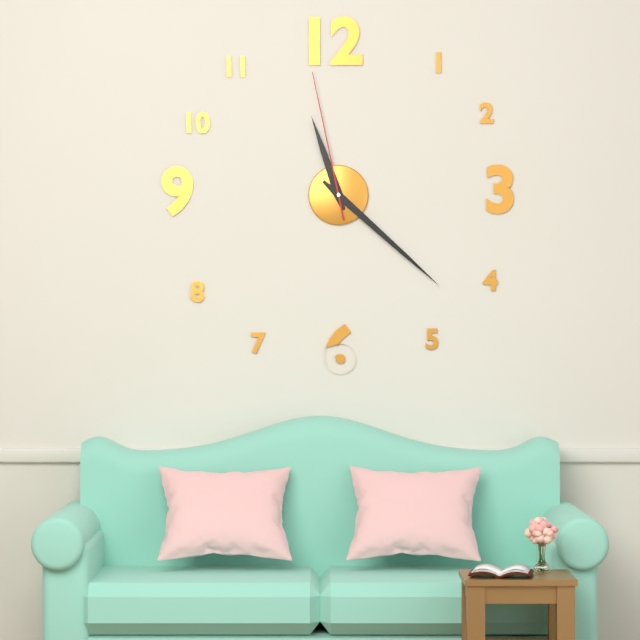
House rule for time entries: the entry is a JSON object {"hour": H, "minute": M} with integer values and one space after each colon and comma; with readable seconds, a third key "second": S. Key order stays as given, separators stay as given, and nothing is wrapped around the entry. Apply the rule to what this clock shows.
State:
{"hour": 11, "minute": 22, "second": 58}
